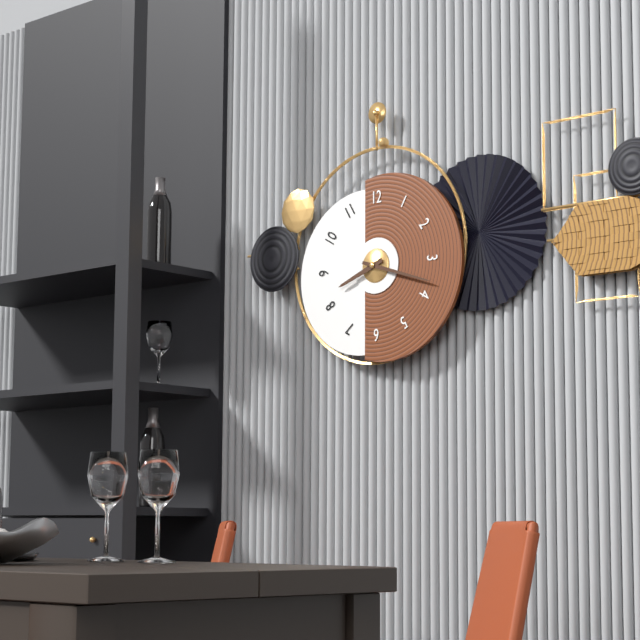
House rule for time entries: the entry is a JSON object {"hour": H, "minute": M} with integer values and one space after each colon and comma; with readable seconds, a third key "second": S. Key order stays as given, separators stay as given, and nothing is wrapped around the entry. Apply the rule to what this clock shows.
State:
{"hour": 8, "minute": 18}
